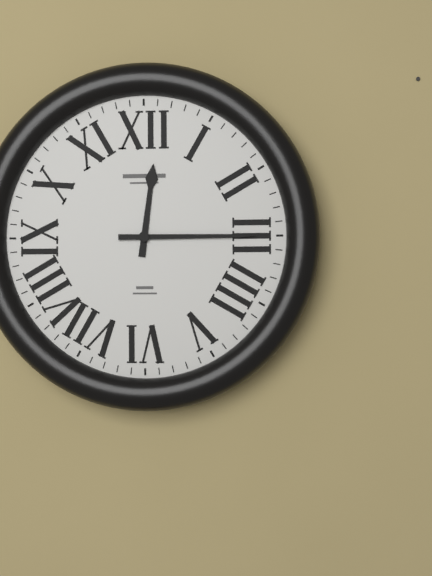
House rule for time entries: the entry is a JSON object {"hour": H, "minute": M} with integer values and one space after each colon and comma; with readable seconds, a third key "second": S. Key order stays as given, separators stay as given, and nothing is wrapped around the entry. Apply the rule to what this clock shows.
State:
{"hour": 12, "minute": 15}
